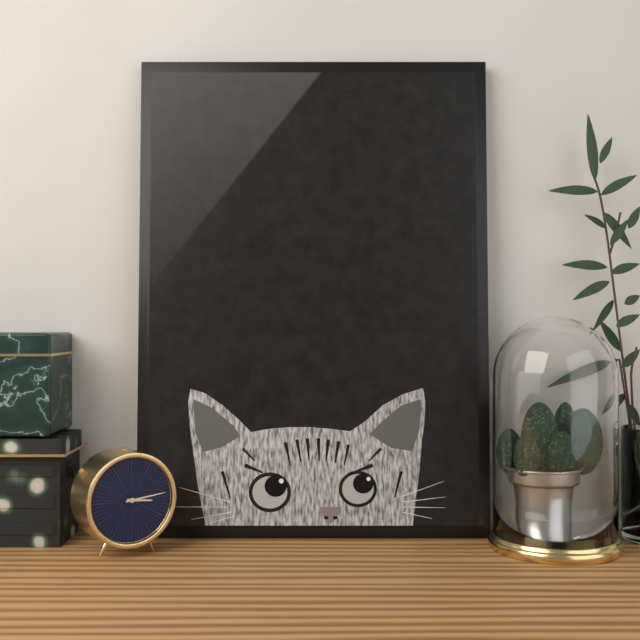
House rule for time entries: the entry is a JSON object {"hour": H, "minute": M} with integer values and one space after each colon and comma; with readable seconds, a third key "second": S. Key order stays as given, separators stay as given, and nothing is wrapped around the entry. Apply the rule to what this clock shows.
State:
{"hour": 3, "minute": 14}
